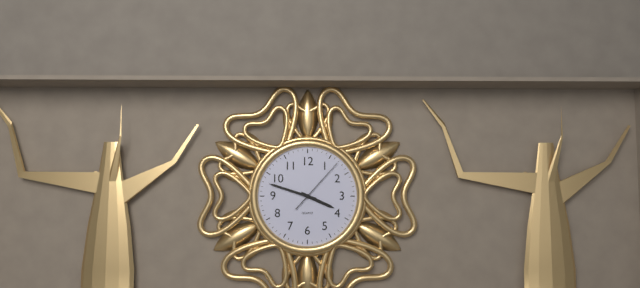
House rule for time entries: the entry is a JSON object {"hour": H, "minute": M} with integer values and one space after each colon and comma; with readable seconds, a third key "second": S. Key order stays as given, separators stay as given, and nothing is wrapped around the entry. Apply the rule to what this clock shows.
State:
{"hour": 3, "minute": 48, "second": 7}
